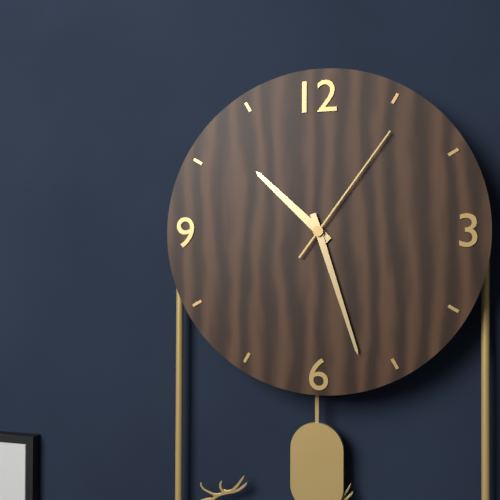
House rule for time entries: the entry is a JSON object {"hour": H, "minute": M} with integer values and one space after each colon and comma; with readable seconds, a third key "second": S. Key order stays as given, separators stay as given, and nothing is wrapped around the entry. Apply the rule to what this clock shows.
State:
{"hour": 10, "minute": 27, "second": 6}
